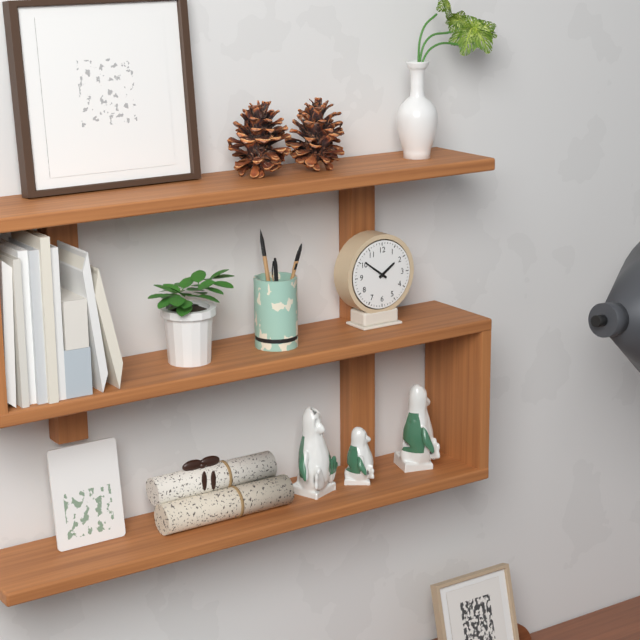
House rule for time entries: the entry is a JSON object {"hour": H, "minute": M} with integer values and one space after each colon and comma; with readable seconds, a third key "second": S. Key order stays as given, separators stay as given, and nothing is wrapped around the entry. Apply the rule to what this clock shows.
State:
{"hour": 1, "minute": 51}
